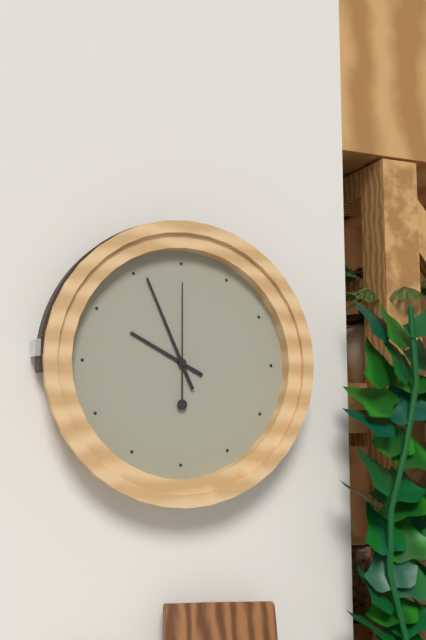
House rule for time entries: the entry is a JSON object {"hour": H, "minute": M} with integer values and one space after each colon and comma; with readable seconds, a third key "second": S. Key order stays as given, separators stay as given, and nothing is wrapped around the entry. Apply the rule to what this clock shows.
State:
{"hour": 9, "minute": 56, "second": 0}
